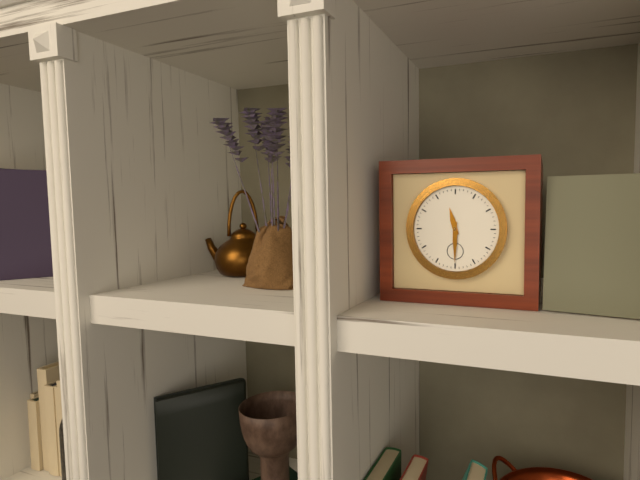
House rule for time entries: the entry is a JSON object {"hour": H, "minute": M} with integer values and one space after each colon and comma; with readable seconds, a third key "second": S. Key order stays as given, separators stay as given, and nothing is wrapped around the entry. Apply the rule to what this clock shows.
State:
{"hour": 11, "minute": 30}
